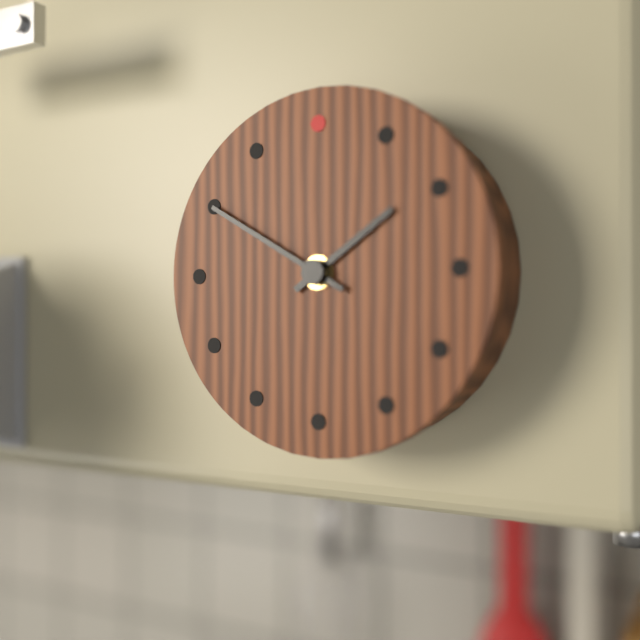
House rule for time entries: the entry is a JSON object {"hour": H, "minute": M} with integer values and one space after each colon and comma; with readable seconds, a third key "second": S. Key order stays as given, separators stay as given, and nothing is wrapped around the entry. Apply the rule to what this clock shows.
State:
{"hour": 1, "minute": 50}
